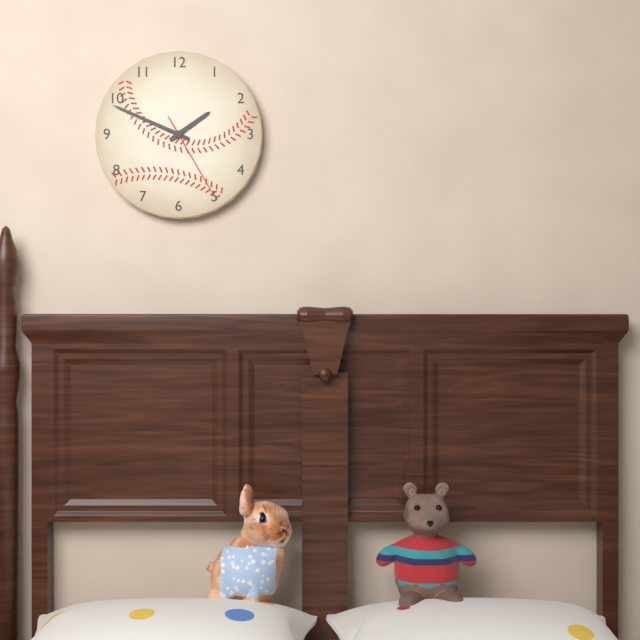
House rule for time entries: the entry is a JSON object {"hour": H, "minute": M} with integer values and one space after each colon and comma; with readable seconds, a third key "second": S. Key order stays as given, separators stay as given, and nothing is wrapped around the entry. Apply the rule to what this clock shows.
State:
{"hour": 1, "minute": 49, "second": 25}
